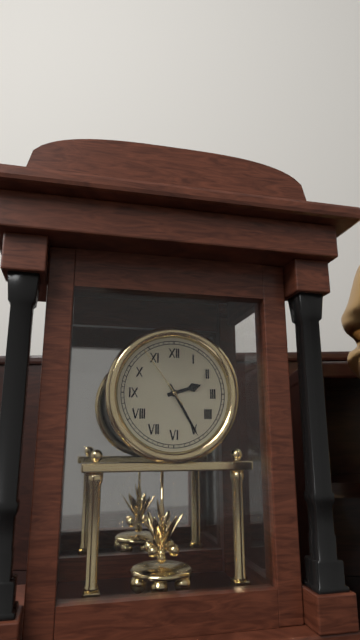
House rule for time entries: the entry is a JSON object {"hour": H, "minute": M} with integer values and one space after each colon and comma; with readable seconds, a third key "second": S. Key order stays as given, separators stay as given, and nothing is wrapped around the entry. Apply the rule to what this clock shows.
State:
{"hour": 2, "minute": 25, "second": 54}
